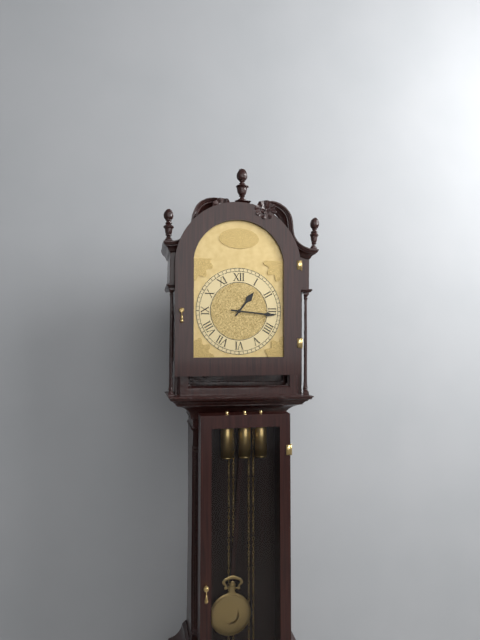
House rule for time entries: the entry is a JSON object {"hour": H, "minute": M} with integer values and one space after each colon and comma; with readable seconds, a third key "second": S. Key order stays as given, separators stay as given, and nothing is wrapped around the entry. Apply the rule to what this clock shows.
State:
{"hour": 1, "minute": 16}
